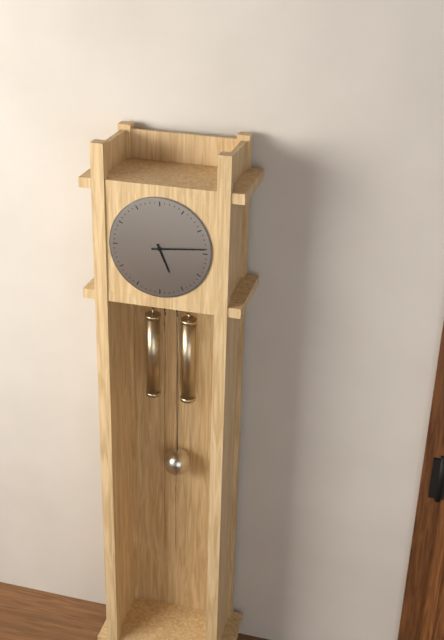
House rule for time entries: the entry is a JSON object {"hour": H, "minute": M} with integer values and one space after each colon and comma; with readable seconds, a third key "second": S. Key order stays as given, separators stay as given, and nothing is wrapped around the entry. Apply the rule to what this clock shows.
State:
{"hour": 5, "minute": 14}
